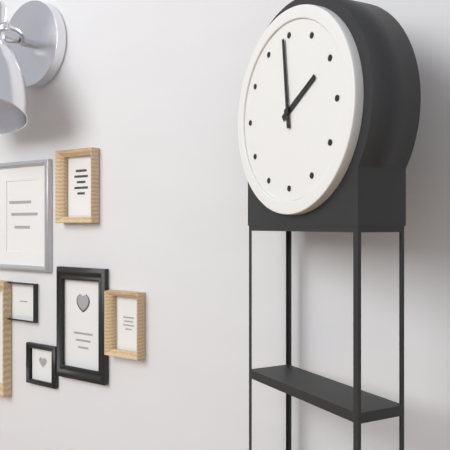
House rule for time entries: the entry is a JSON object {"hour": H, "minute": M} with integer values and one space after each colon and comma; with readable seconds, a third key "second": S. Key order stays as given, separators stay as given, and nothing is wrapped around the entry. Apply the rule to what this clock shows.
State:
{"hour": 1, "minute": 59}
